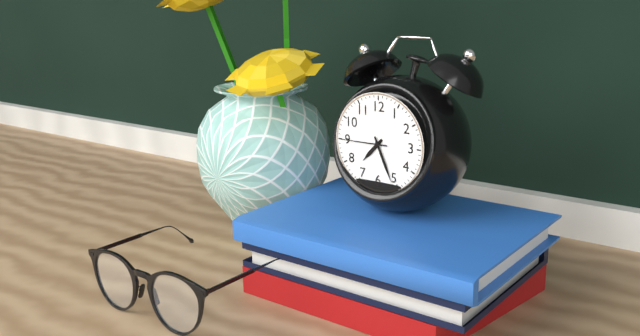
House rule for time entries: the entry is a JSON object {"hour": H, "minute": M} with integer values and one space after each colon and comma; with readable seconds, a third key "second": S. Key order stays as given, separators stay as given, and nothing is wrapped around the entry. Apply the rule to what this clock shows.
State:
{"hour": 7, "minute": 26}
